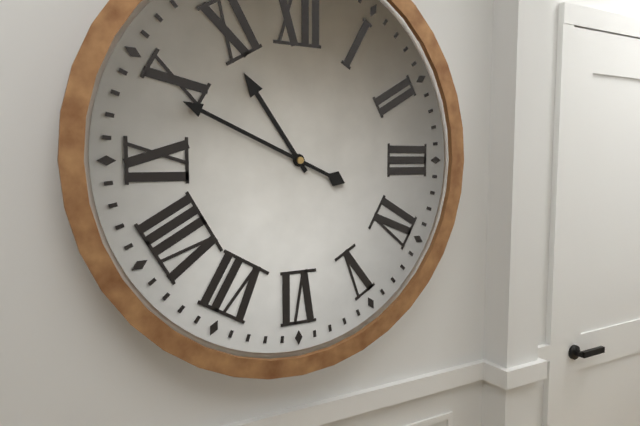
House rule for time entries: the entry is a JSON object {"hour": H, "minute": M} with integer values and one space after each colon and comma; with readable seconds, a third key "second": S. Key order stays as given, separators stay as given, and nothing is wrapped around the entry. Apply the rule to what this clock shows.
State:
{"hour": 10, "minute": 49}
